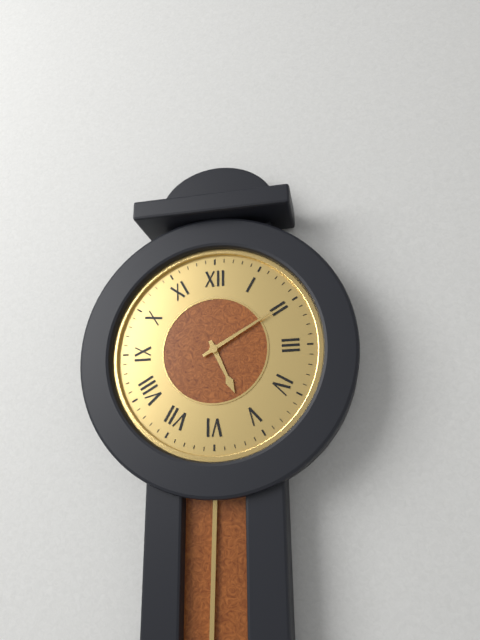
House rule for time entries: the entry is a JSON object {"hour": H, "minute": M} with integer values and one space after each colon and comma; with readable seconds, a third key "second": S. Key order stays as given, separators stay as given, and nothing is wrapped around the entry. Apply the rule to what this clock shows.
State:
{"hour": 5, "minute": 10}
